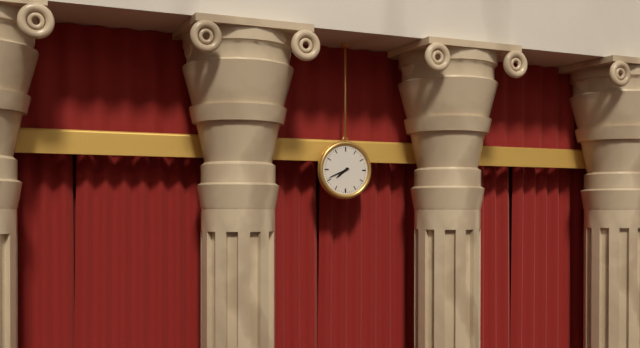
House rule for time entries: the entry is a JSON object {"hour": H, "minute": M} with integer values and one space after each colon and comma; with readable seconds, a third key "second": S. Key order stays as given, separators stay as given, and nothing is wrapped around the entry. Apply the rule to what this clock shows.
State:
{"hour": 7, "minute": 41}
